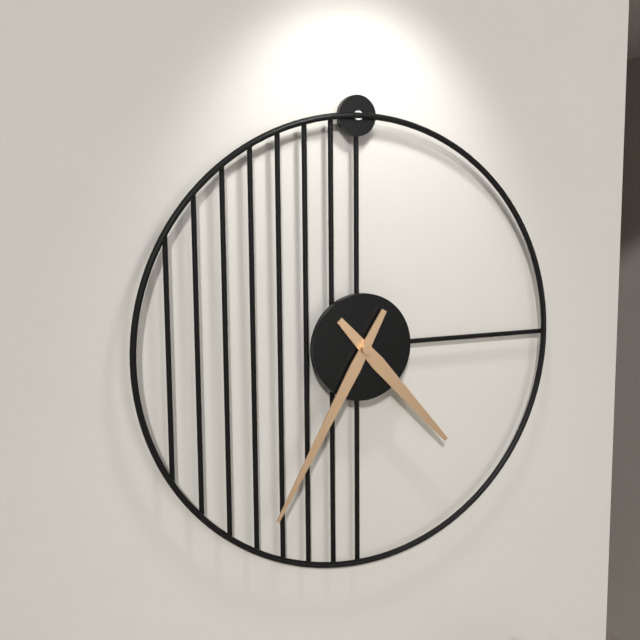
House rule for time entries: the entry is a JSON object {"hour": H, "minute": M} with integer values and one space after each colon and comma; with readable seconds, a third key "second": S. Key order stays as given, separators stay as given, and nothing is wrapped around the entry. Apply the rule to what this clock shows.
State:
{"hour": 4, "minute": 35}
